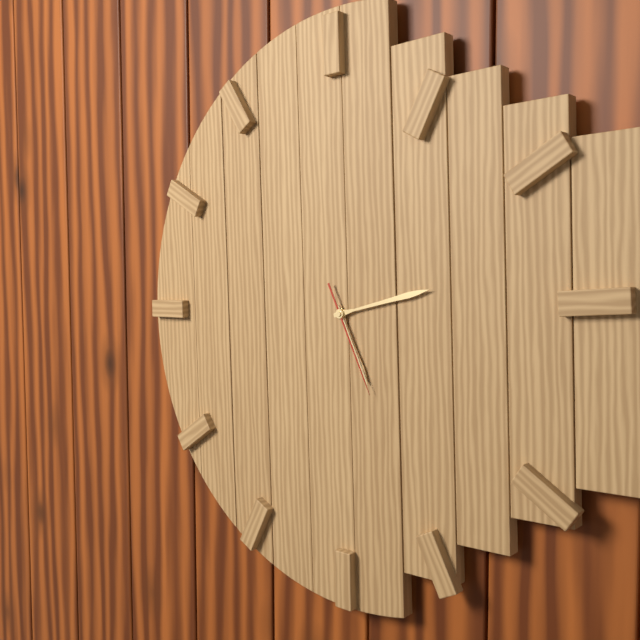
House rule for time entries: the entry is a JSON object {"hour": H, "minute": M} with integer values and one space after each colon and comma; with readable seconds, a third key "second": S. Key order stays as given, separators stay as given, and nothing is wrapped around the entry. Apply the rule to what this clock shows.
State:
{"hour": 5, "minute": 13, "second": 26}
